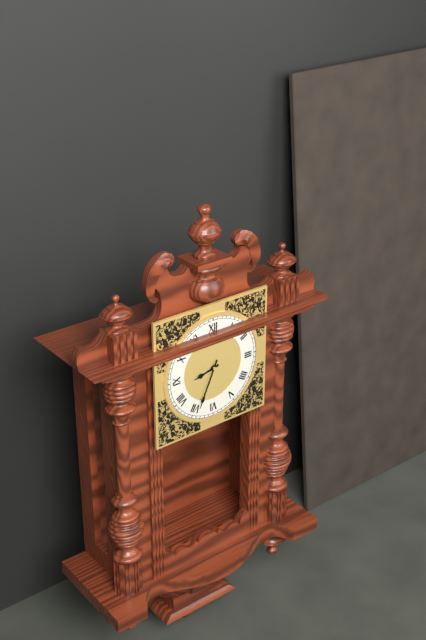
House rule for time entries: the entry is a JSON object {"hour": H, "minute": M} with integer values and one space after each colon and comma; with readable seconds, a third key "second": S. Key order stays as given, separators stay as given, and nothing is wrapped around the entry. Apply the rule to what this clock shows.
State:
{"hour": 8, "minute": 34}
